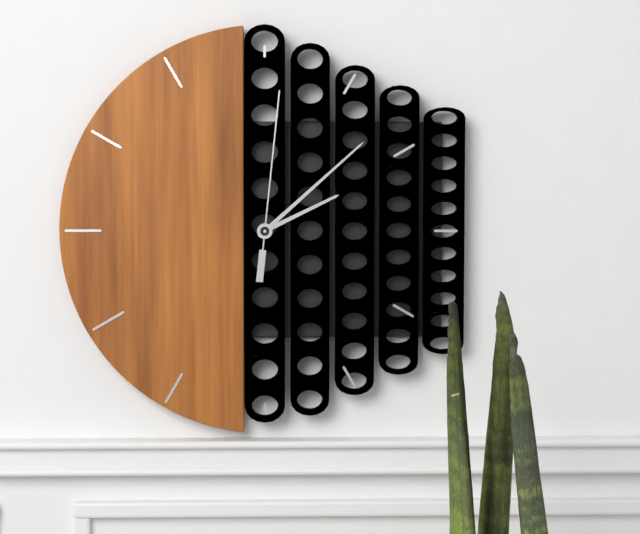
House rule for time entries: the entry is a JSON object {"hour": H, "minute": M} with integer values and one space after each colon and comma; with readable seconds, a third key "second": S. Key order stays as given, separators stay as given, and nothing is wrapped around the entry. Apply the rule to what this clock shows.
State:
{"hour": 2, "minute": 8, "second": 1}
